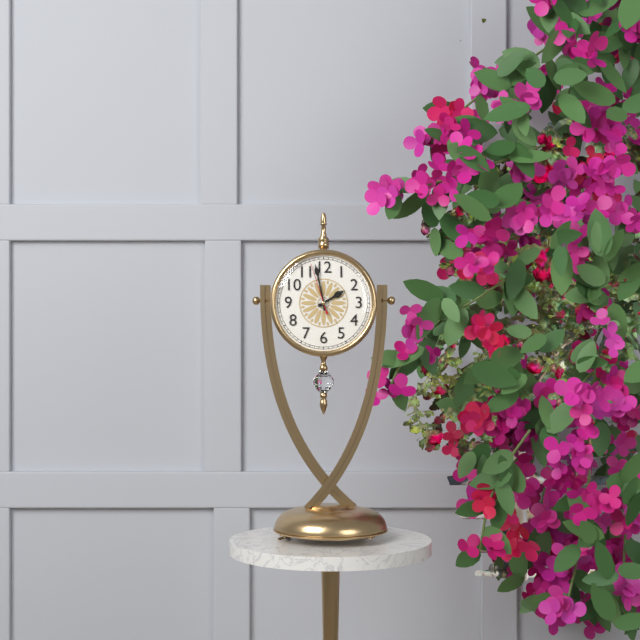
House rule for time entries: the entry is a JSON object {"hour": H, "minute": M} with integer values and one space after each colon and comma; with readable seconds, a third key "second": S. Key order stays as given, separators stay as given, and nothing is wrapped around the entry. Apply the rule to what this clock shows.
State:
{"hour": 1, "minute": 58, "second": 57}
